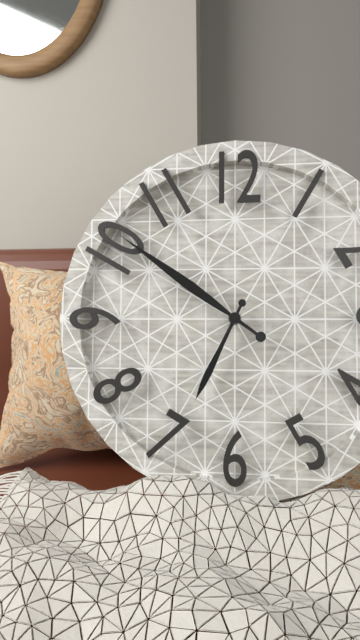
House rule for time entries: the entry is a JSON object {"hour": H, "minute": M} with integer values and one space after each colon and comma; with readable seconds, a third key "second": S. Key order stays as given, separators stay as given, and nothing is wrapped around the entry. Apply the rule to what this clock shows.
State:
{"hour": 6, "minute": 51}
